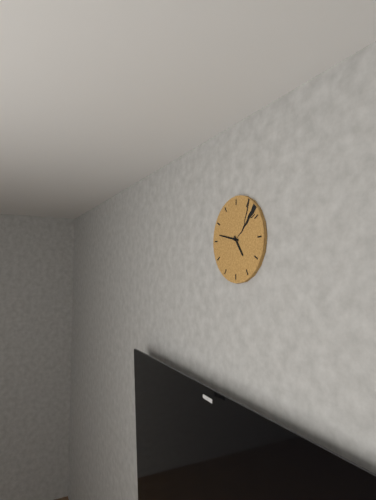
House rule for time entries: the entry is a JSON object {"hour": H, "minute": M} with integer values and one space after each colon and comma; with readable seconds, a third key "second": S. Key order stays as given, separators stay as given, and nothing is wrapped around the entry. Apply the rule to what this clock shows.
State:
{"hour": 4, "minute": 47}
